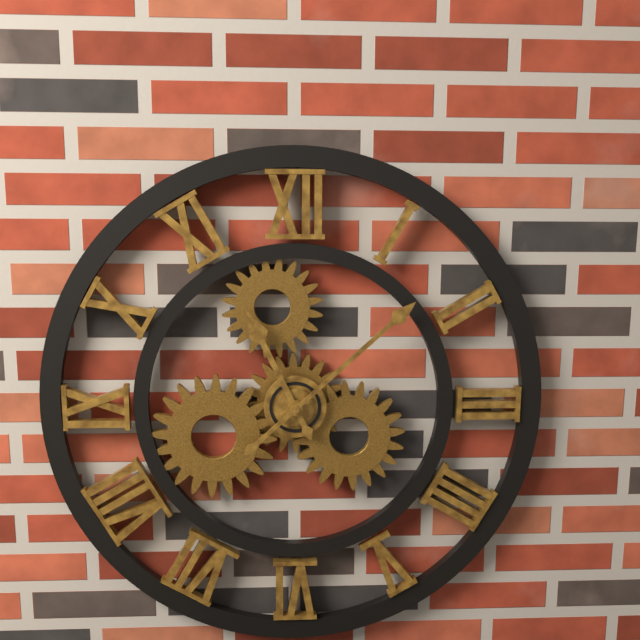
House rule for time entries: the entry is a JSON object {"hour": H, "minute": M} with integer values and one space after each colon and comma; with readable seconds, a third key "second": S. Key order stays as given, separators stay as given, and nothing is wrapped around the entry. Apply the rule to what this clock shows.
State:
{"hour": 11, "minute": 8}
